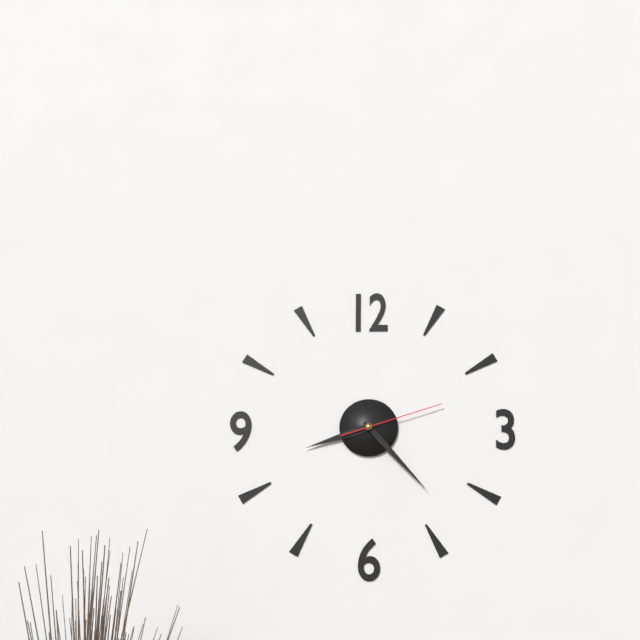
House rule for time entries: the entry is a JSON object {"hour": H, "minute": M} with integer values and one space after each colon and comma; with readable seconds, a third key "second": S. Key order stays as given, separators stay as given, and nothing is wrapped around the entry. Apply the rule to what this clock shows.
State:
{"hour": 8, "minute": 23, "second": 12}
